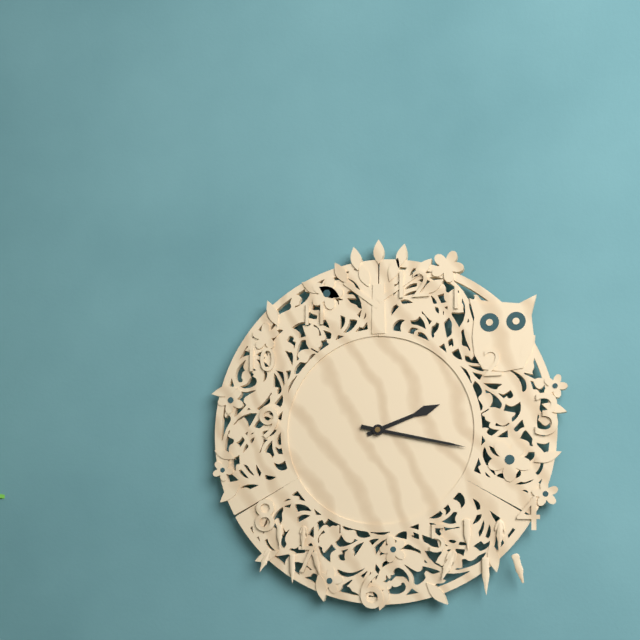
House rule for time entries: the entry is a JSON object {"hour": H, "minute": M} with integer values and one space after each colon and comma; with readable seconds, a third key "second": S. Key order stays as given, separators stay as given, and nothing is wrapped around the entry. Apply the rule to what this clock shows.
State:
{"hour": 2, "minute": 17}
